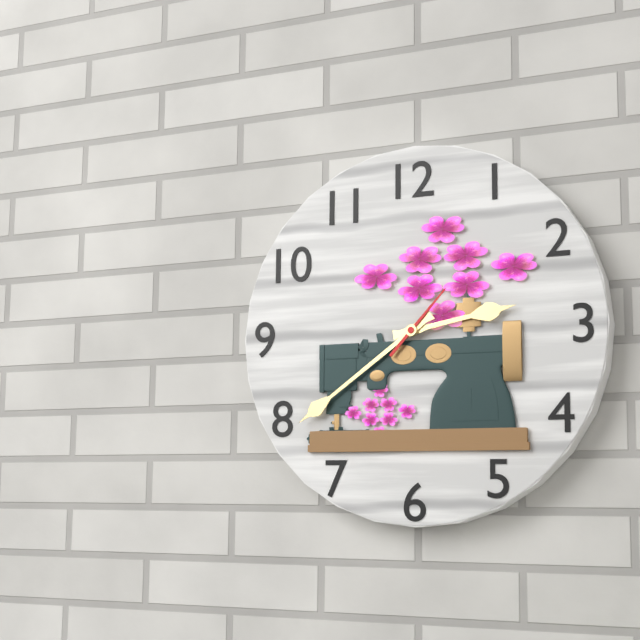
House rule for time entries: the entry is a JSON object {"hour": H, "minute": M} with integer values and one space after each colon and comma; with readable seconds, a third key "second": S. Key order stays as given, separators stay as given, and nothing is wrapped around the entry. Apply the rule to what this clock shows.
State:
{"hour": 2, "minute": 39, "second": 7}
